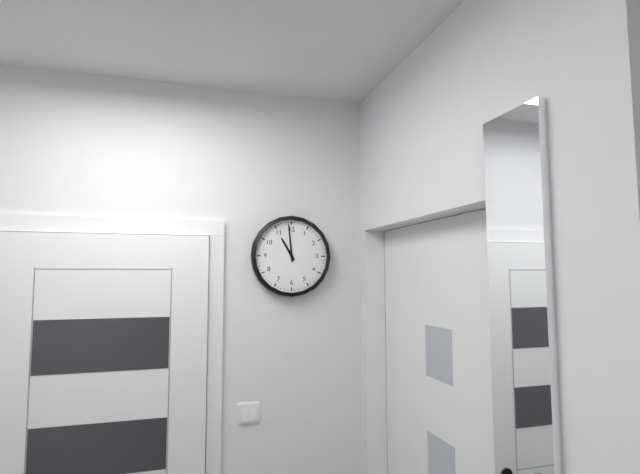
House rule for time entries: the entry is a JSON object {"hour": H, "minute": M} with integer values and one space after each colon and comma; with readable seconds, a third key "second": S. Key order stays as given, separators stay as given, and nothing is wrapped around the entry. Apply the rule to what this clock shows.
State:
{"hour": 10, "minute": 59}
